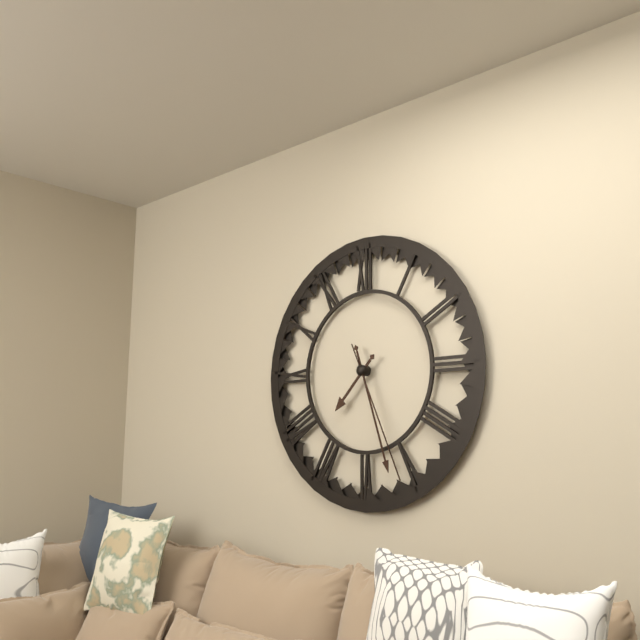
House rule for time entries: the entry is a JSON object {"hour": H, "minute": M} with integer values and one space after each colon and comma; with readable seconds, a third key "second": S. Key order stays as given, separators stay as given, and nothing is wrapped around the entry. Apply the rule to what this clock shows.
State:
{"hour": 7, "minute": 27, "second": 26}
